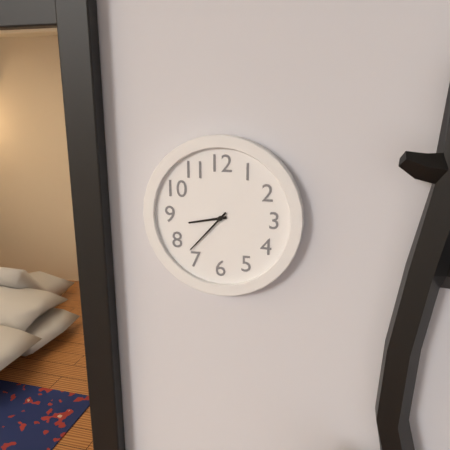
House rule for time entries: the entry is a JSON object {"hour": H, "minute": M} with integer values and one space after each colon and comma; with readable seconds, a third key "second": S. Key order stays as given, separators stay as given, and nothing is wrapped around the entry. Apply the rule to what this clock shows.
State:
{"hour": 8, "minute": 37}
